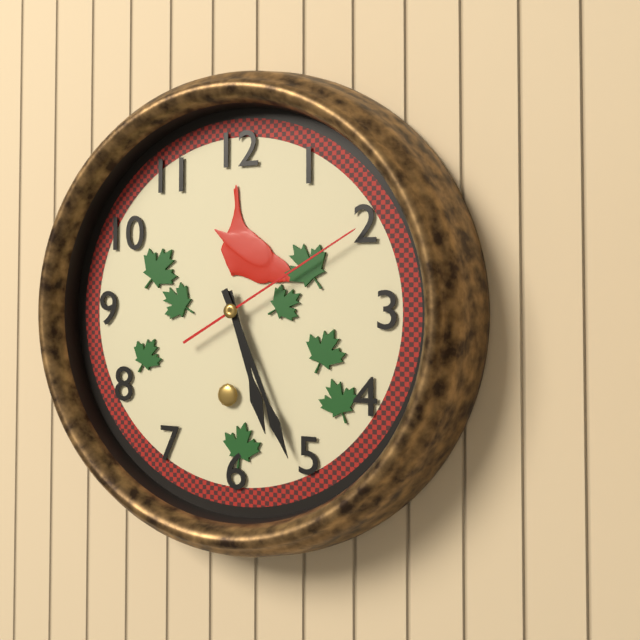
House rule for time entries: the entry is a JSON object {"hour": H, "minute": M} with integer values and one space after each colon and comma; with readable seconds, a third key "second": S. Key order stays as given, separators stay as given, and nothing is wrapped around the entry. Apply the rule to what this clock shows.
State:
{"hour": 5, "minute": 26, "second": 10}
